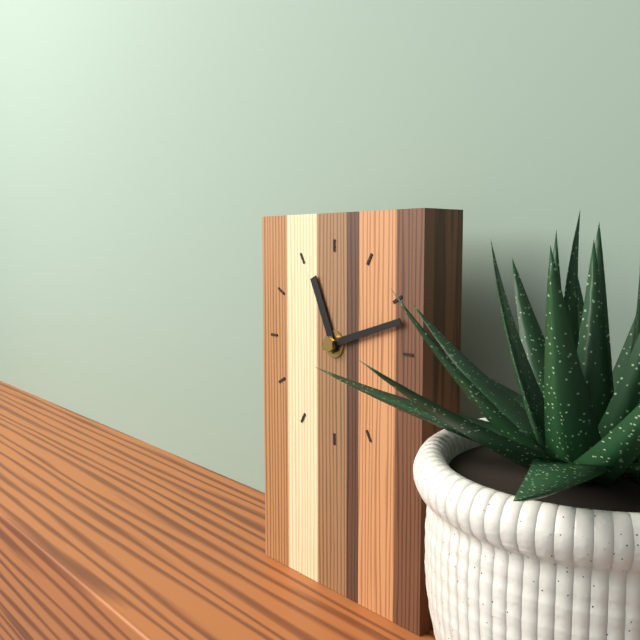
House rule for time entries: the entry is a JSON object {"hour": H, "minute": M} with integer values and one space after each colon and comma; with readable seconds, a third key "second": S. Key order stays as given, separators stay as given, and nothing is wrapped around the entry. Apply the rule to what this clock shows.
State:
{"hour": 11, "minute": 12}
